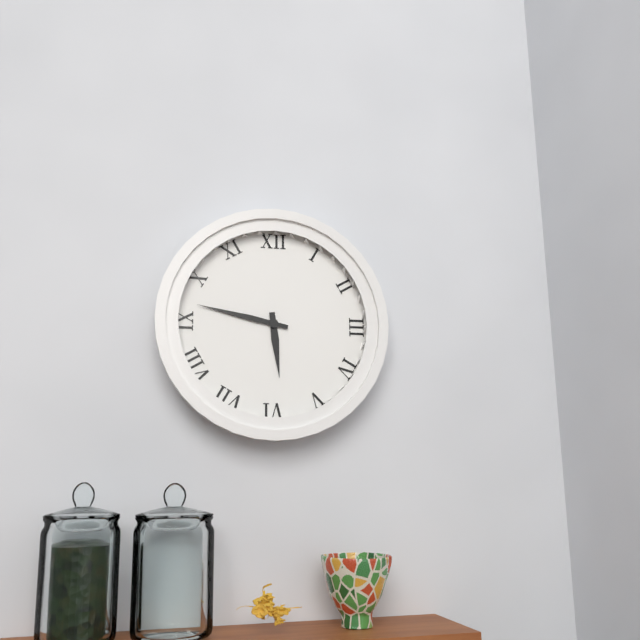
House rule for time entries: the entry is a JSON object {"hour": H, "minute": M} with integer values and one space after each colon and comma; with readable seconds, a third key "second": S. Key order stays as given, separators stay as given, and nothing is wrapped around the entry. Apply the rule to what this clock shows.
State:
{"hour": 5, "minute": 47}
